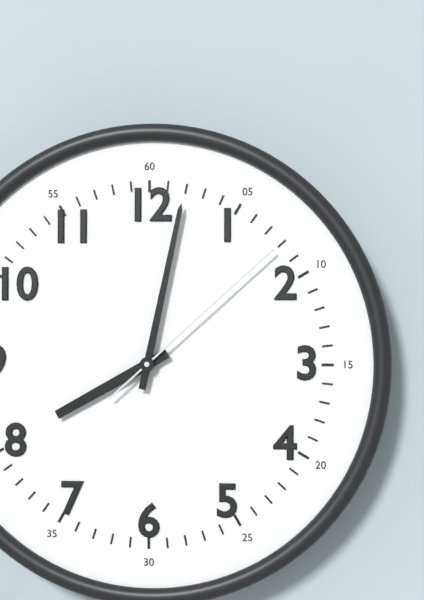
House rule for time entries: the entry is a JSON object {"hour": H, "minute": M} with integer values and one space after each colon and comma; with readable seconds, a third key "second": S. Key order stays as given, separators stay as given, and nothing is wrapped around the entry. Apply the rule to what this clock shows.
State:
{"hour": 8, "minute": 2, "second": 8}
